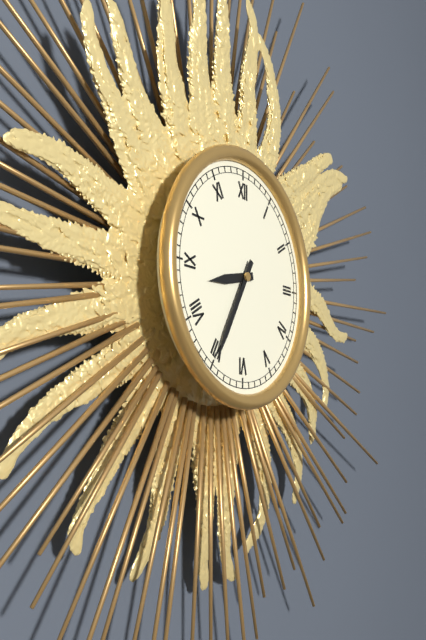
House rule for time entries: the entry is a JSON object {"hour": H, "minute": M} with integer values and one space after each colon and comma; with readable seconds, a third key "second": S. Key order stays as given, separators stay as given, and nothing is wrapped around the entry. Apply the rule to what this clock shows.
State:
{"hour": 8, "minute": 35}
